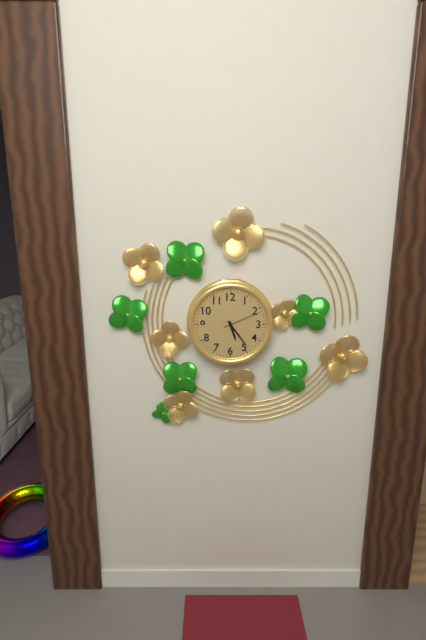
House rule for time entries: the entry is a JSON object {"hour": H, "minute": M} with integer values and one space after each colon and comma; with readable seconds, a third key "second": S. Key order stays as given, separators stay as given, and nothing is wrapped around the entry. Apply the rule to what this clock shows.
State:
{"hour": 5, "minute": 24}
